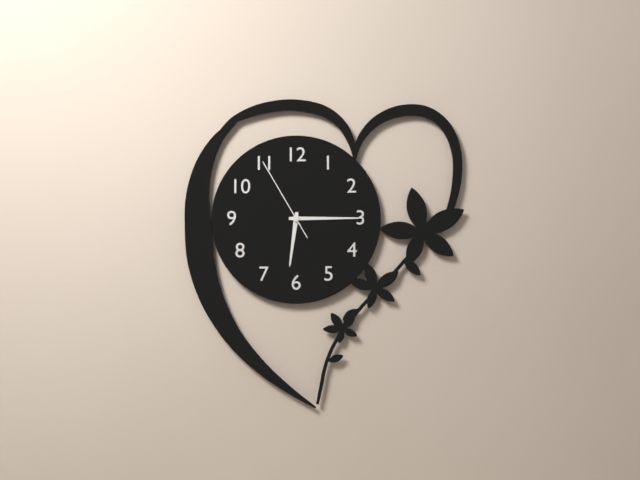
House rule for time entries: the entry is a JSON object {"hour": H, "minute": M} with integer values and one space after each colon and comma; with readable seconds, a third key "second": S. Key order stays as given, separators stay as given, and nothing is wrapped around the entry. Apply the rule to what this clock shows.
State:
{"hour": 6, "minute": 15, "second": 55}
